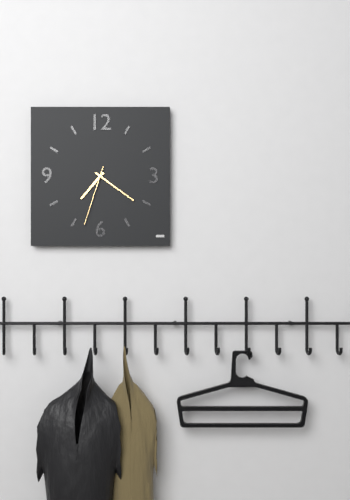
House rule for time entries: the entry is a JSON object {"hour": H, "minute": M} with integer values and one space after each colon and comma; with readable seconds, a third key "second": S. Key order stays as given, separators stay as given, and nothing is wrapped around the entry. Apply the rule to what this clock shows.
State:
{"hour": 7, "minute": 21, "second": 33}
